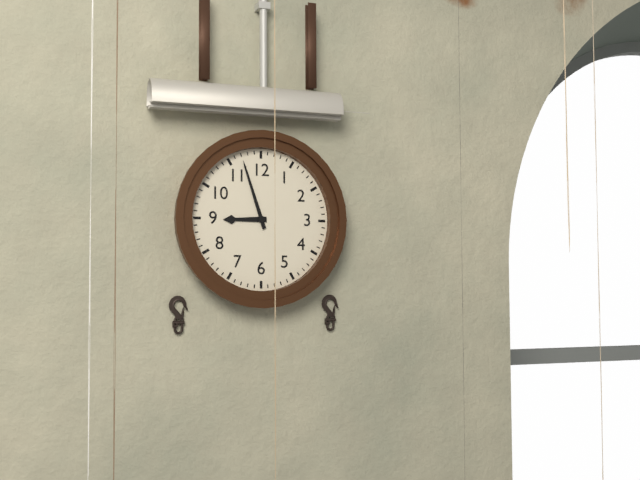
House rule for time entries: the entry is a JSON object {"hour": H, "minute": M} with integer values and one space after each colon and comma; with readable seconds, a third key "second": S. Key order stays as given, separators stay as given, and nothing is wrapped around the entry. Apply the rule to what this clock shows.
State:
{"hour": 8, "minute": 57}
